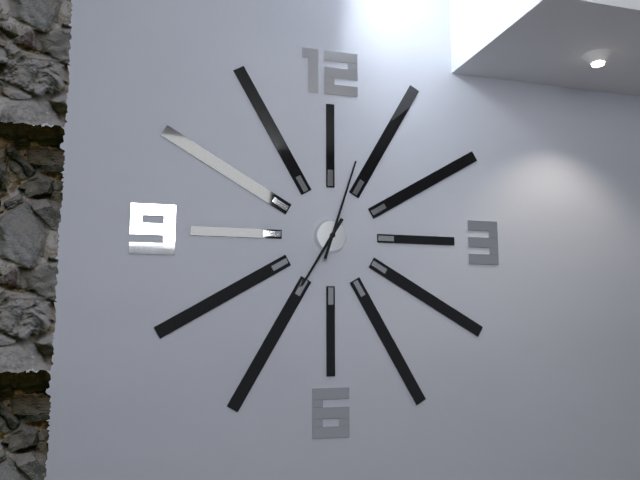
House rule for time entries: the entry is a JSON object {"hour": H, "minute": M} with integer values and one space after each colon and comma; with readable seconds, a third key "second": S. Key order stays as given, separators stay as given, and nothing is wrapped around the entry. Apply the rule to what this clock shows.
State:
{"hour": 7, "minute": 3}
